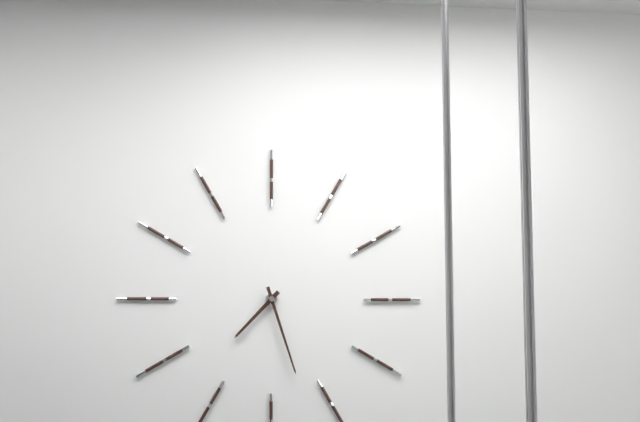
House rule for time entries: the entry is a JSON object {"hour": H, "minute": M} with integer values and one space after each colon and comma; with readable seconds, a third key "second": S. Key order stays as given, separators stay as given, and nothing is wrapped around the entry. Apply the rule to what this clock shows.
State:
{"hour": 7, "minute": 27}
